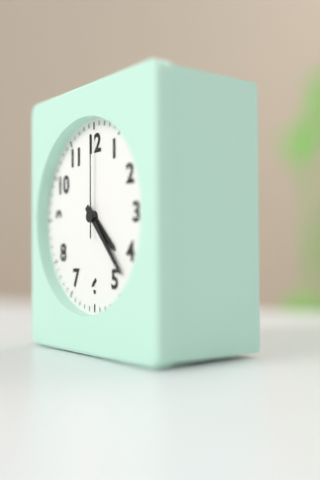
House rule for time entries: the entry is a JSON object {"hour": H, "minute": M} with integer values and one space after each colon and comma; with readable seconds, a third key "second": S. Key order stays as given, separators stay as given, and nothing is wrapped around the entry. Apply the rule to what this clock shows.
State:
{"hour": 4, "minute": 23, "second": 0}
